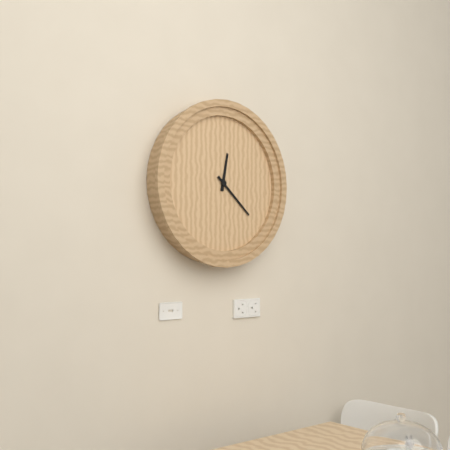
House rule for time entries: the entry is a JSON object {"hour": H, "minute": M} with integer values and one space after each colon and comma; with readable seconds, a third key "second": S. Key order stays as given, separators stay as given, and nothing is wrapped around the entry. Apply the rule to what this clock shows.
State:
{"hour": 12, "minute": 22}
